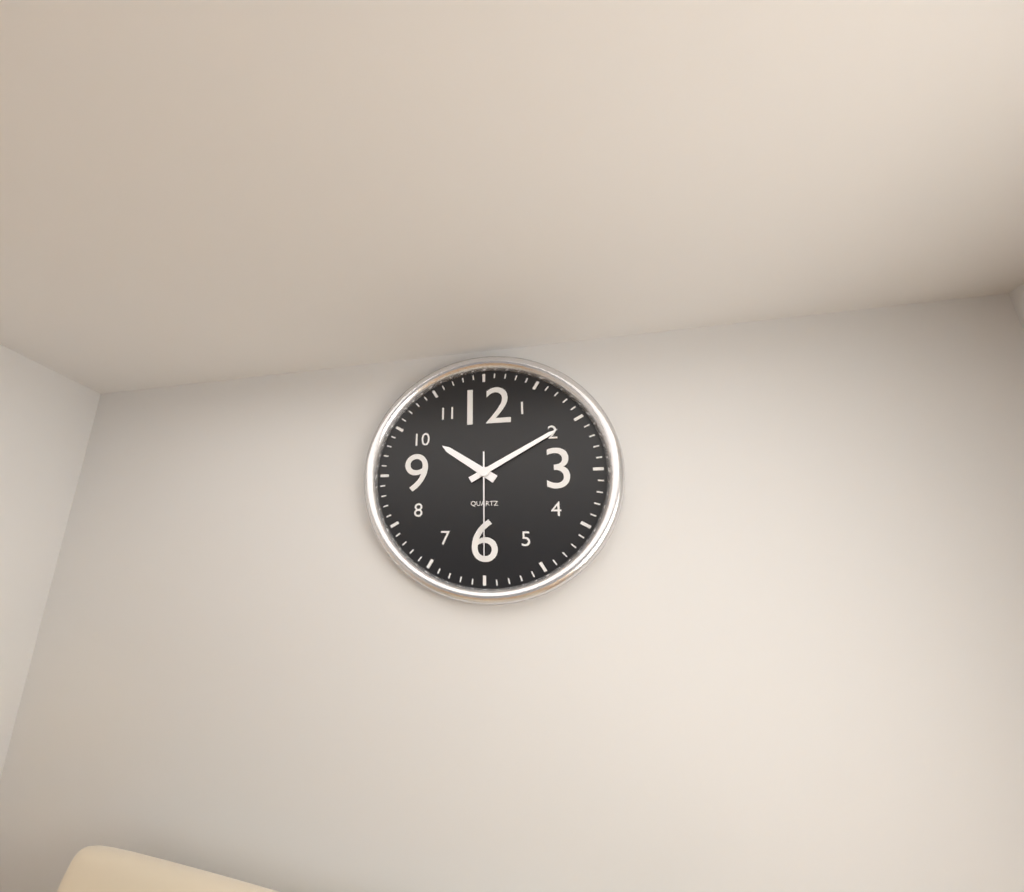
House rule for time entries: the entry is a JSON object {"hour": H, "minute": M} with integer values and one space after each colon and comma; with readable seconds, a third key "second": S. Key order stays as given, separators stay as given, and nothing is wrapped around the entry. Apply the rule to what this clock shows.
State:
{"hour": 10, "minute": 10, "second": 30}
